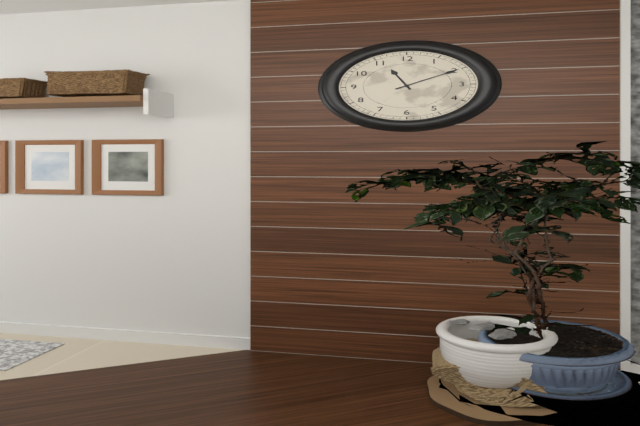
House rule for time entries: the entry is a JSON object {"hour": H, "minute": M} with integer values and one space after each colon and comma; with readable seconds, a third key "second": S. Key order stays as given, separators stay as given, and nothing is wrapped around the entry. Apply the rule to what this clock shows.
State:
{"hour": 11, "minute": 10}
